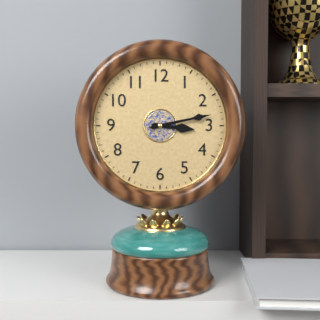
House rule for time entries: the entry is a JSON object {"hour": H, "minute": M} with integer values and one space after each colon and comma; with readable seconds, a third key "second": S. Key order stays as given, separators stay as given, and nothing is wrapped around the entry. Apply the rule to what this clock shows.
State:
{"hour": 3, "minute": 13}
